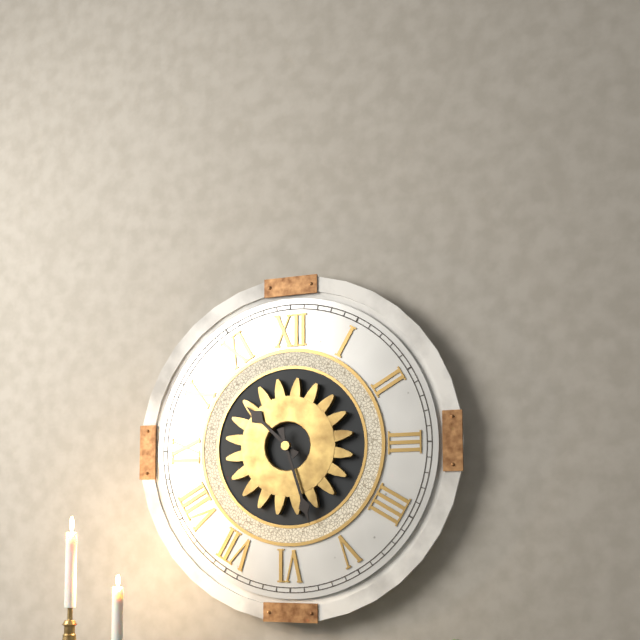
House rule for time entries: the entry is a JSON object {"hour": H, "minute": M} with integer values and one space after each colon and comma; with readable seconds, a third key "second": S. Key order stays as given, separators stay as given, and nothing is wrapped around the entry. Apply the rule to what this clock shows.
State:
{"hour": 10, "minute": 27}
